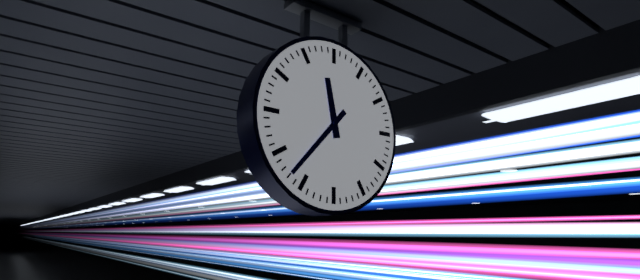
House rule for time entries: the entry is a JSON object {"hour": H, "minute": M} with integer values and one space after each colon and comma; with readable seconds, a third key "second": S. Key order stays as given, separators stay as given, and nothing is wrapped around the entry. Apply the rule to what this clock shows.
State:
{"hour": 11, "minute": 37}
